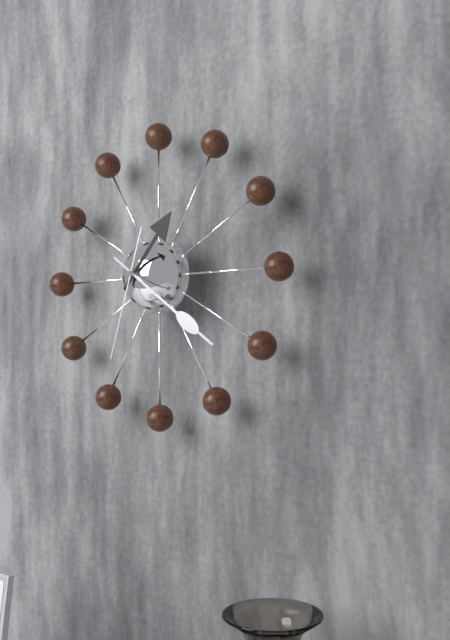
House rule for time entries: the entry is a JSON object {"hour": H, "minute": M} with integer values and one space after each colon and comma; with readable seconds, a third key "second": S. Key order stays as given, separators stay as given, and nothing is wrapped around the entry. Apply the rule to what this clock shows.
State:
{"hour": 1, "minute": 21, "second": 33}
